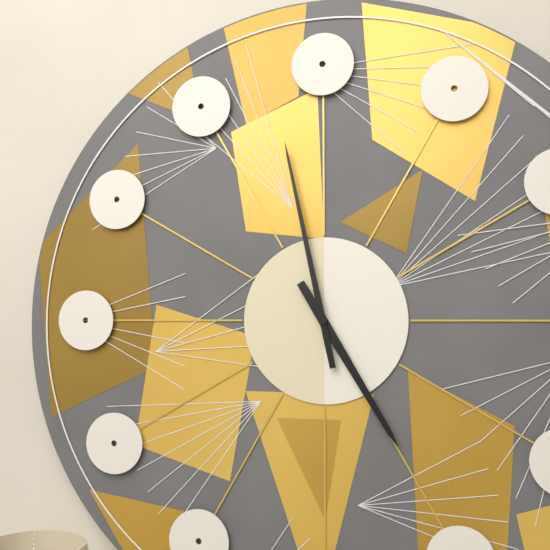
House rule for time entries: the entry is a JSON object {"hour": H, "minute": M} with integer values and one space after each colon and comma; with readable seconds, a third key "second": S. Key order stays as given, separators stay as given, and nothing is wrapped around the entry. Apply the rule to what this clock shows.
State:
{"hour": 4, "minute": 58}
